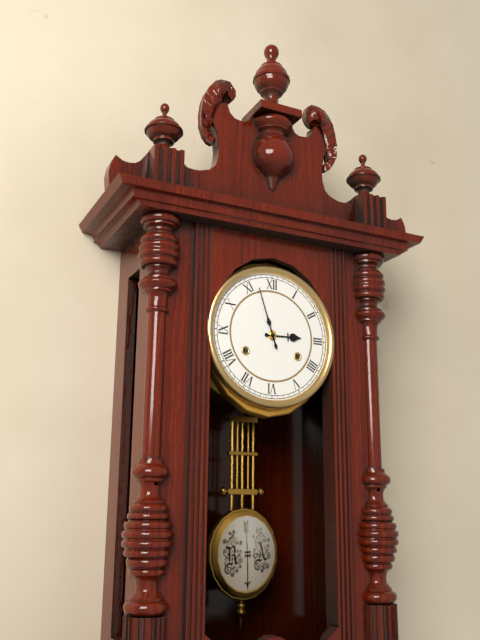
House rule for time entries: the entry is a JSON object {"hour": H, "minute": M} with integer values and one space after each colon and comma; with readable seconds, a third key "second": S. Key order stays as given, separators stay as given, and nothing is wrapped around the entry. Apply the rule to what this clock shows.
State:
{"hour": 2, "minute": 57}
